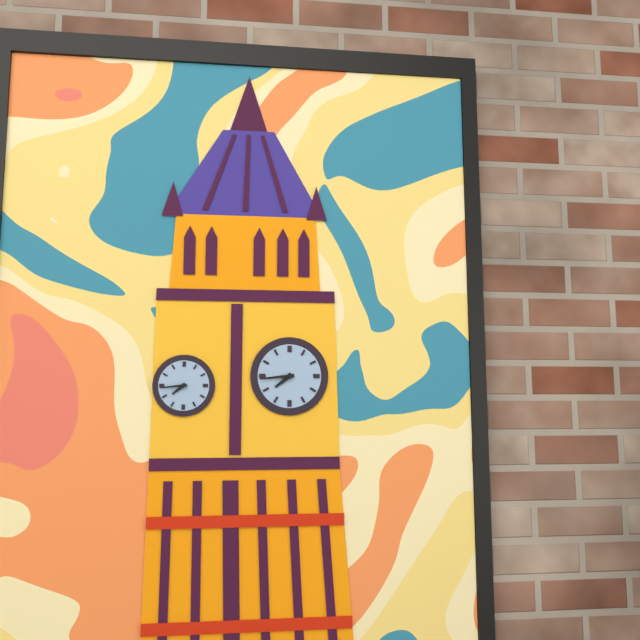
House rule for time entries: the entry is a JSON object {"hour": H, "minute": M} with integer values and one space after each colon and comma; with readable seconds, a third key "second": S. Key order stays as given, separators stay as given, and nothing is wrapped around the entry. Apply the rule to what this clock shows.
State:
{"hour": 7, "minute": 44}
